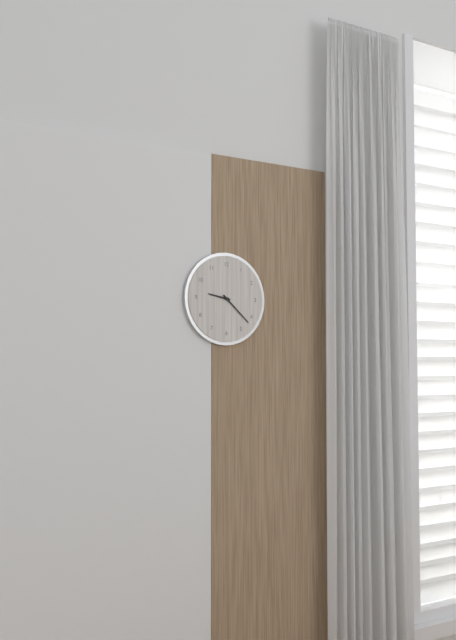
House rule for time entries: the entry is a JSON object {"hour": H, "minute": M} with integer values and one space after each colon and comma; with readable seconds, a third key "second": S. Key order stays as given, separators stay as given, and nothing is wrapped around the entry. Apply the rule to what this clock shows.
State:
{"hour": 9, "minute": 22}
